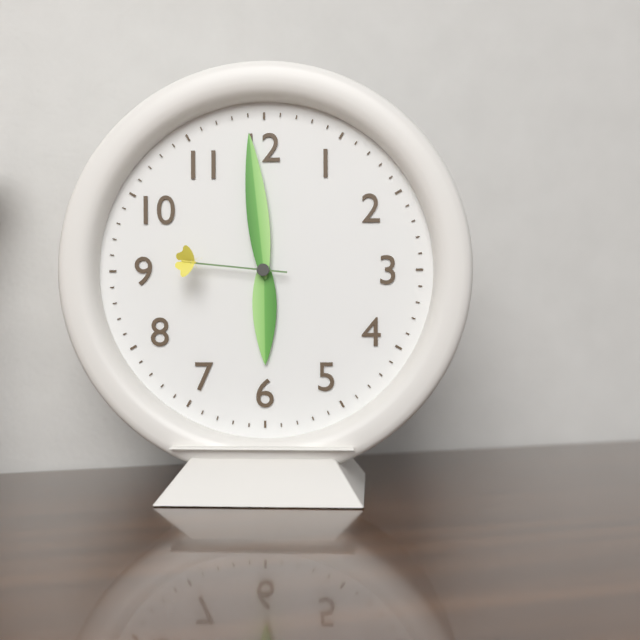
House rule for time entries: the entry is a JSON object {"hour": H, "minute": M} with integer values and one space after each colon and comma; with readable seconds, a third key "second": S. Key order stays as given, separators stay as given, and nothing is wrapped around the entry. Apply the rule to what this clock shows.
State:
{"hour": 5, "minute": 59, "second": 46}
